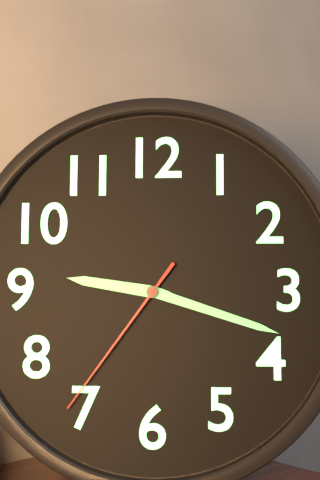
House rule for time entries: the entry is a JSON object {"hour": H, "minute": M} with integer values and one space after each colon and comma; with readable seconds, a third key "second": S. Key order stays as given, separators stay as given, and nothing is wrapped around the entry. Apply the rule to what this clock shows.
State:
{"hour": 9, "minute": 18, "second": 36}
